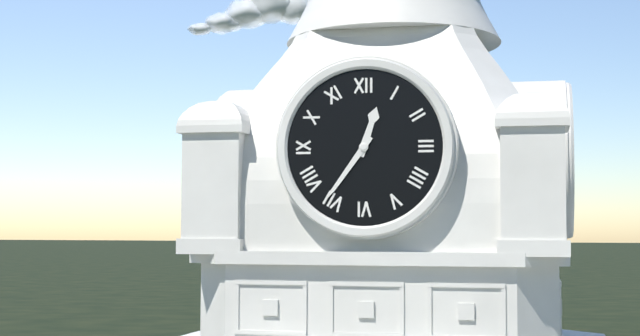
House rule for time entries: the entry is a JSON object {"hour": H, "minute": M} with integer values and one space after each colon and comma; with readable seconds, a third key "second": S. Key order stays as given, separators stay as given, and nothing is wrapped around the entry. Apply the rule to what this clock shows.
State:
{"hour": 12, "minute": 36}
